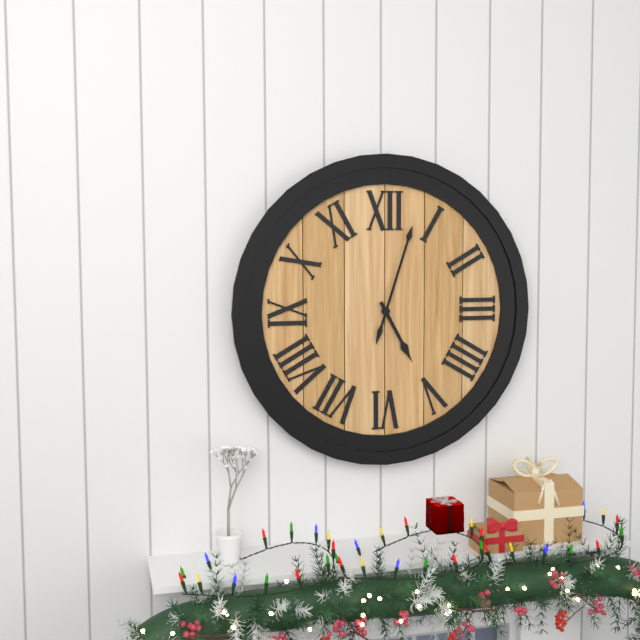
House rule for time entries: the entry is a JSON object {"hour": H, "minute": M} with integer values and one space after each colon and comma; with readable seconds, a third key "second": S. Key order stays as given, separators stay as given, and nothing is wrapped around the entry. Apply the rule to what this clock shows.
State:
{"hour": 5, "minute": 3}
